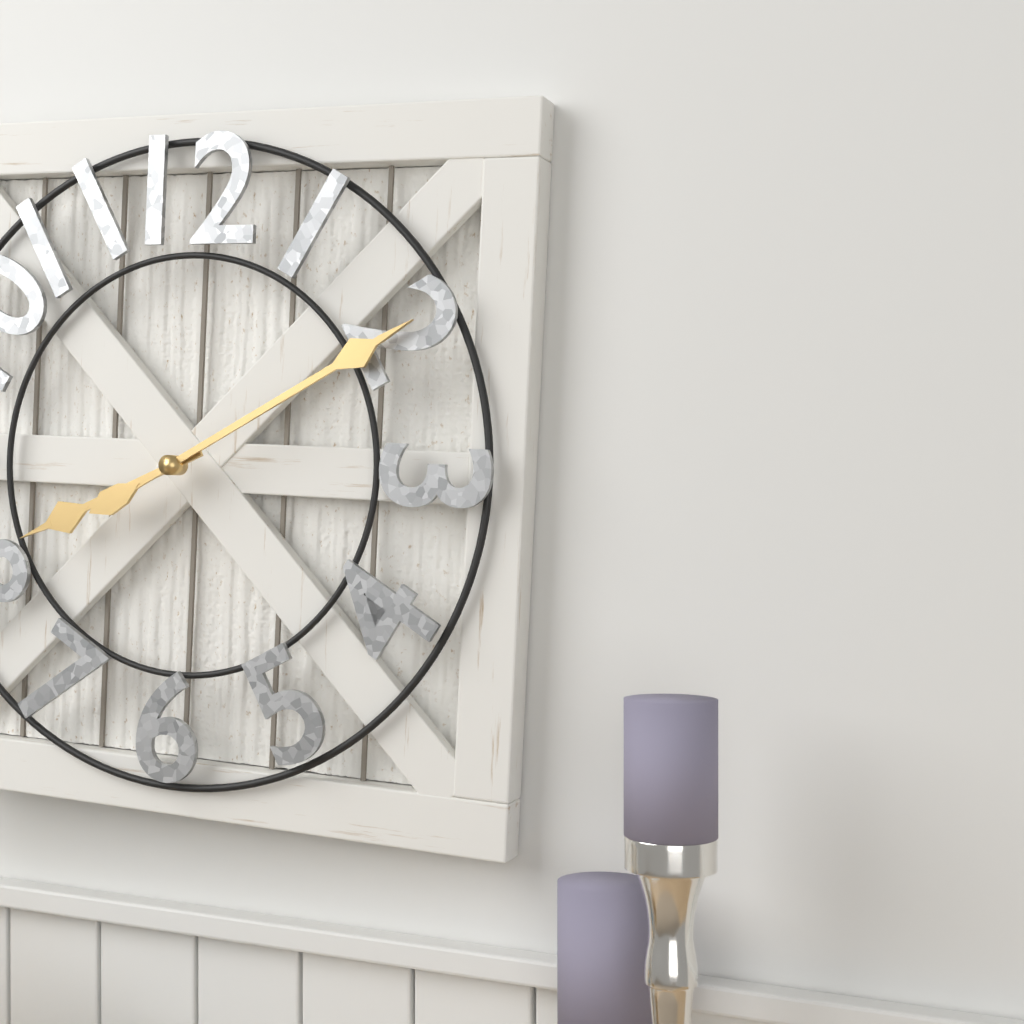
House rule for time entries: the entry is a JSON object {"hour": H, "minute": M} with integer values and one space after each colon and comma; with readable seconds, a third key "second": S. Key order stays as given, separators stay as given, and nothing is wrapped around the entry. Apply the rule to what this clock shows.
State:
{"hour": 8, "minute": 10}
